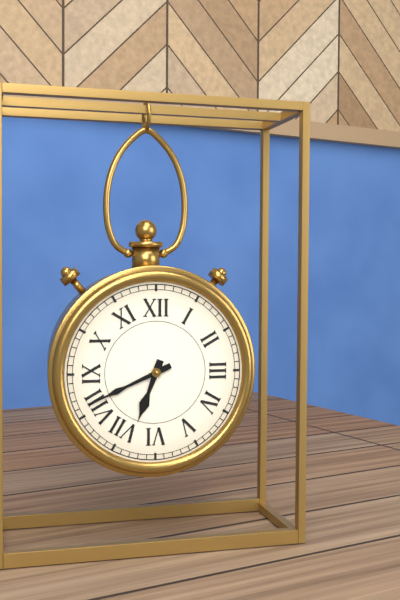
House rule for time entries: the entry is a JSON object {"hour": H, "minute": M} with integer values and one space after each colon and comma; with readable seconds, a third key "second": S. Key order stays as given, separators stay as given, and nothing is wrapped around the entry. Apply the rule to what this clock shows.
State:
{"hour": 6, "minute": 41}
